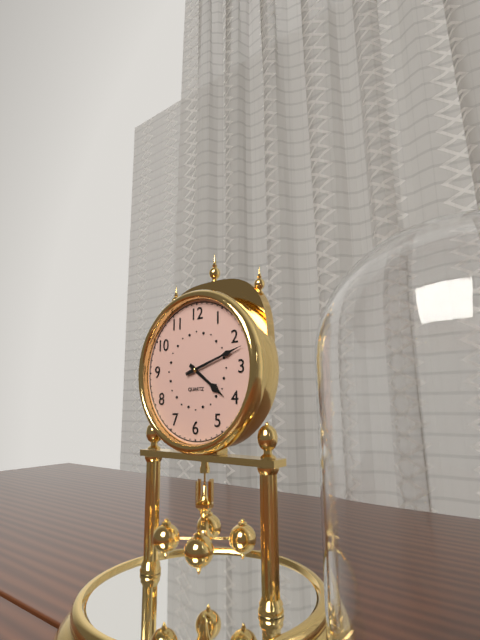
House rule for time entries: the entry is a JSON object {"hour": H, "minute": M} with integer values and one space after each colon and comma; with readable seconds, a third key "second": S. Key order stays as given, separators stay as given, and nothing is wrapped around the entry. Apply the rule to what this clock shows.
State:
{"hour": 4, "minute": 12}
